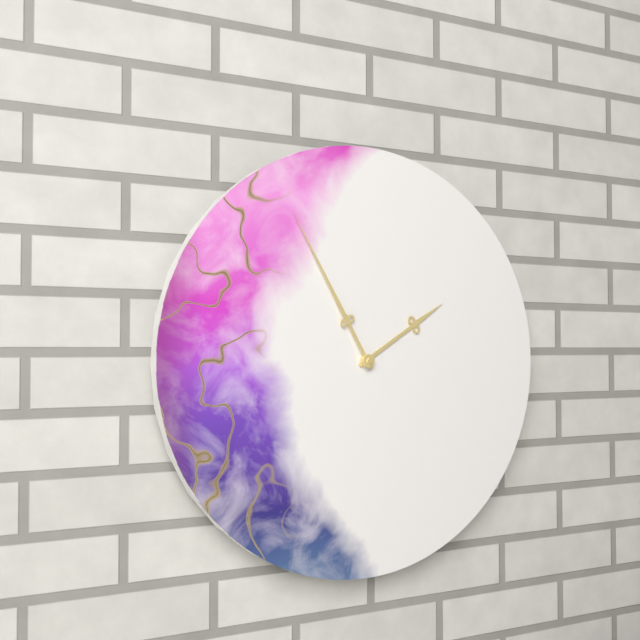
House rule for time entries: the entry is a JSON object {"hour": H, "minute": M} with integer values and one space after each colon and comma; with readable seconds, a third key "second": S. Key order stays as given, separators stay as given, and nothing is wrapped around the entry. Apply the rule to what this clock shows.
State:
{"hour": 1, "minute": 55}
